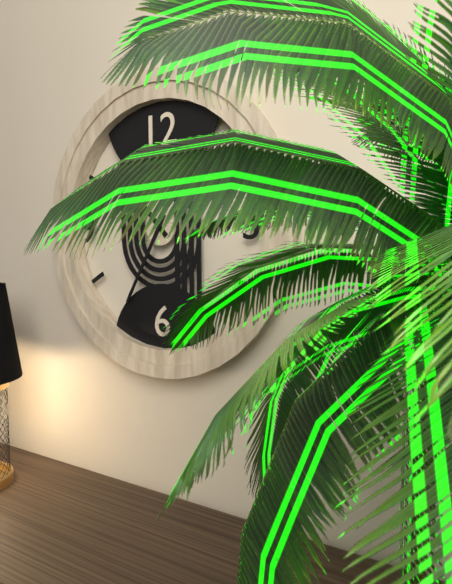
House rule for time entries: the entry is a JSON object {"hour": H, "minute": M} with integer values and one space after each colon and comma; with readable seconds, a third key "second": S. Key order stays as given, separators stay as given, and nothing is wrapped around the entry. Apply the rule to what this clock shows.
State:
{"hour": 10, "minute": 35}
